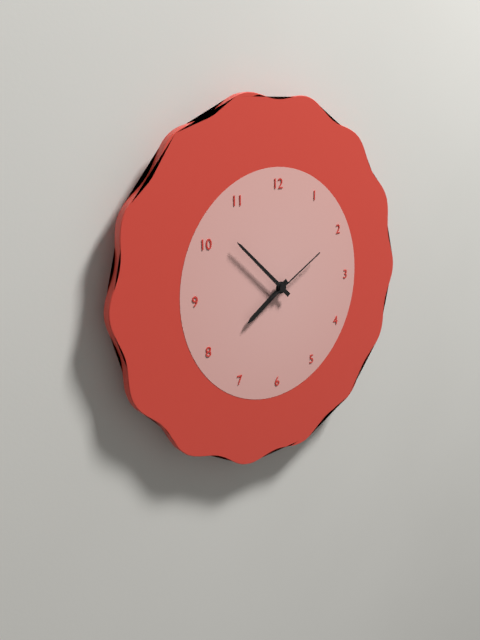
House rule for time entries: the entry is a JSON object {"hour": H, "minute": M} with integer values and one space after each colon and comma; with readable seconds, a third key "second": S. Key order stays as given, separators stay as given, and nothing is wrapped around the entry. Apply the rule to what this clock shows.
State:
{"hour": 7, "minute": 52, "second": 10}
